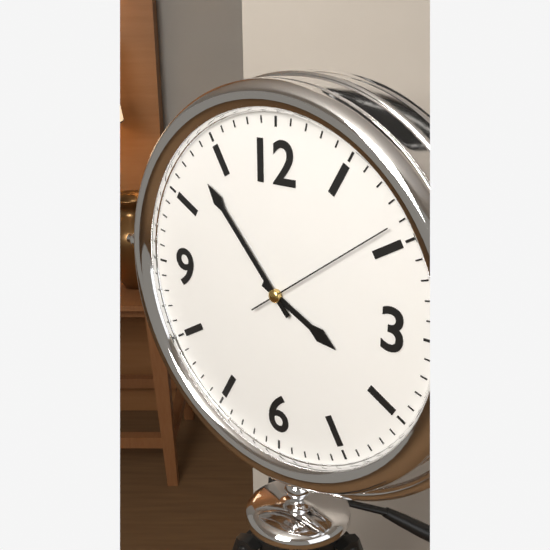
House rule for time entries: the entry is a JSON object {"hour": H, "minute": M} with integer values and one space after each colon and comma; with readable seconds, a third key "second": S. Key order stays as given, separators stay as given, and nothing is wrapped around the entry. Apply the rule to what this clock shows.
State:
{"hour": 3, "minute": 53, "second": 9}
